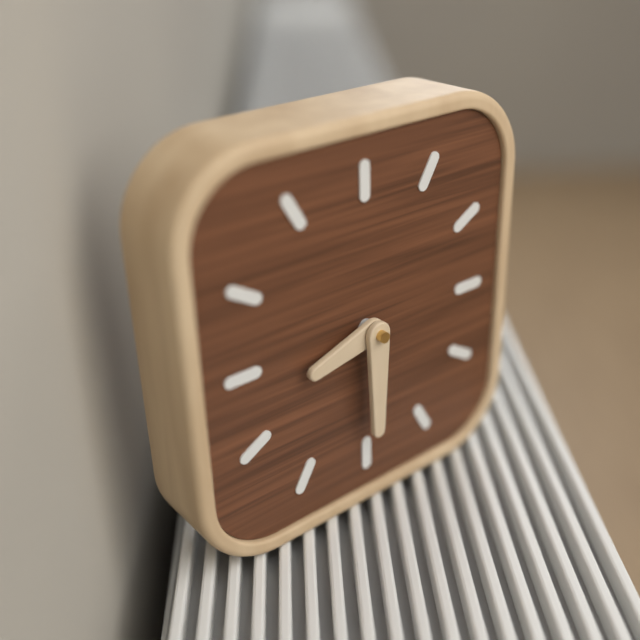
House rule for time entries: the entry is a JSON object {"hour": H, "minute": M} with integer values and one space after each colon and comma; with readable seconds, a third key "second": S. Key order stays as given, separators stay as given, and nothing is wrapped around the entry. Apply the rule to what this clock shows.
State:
{"hour": 8, "minute": 30}
